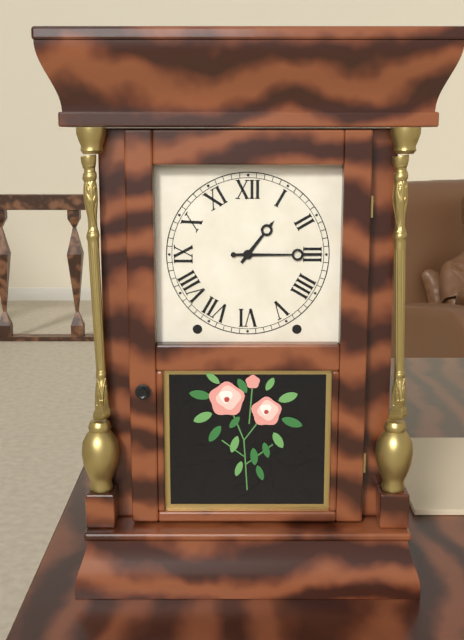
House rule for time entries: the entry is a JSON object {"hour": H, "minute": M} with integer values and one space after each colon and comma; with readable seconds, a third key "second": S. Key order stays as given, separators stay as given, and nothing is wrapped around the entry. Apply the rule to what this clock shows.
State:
{"hour": 1, "minute": 15}
